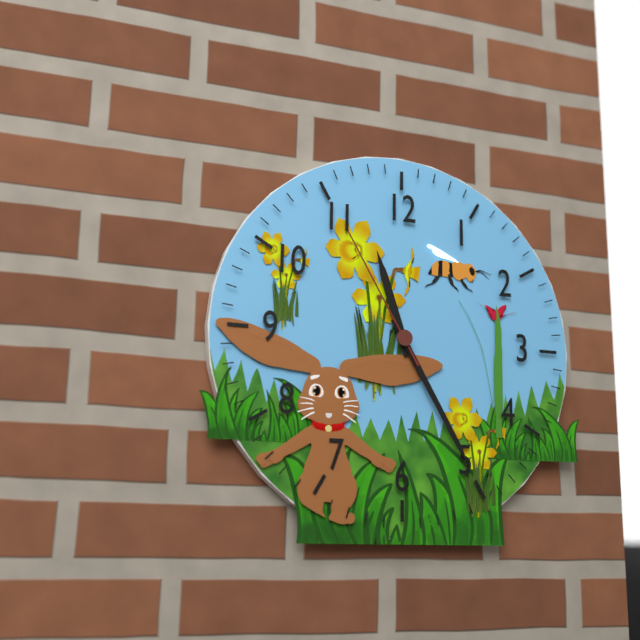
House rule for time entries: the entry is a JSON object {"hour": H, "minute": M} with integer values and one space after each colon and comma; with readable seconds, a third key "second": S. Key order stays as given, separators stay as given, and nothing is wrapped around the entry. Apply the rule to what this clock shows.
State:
{"hour": 11, "minute": 25, "second": 55}
